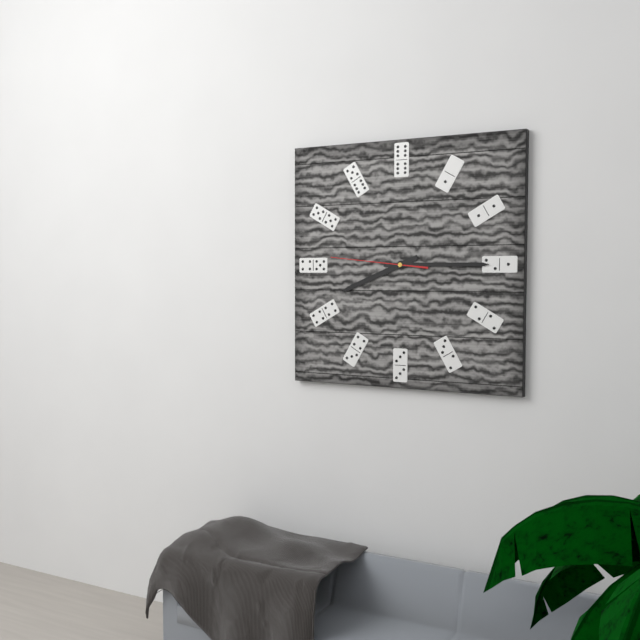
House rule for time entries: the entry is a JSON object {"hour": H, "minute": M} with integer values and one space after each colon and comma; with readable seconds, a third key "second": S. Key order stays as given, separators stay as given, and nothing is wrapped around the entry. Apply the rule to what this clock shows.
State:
{"hour": 8, "minute": 15, "second": 46}
